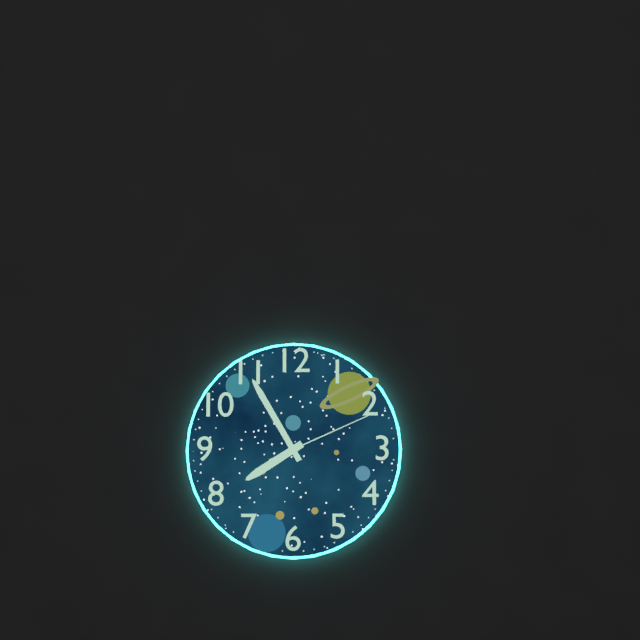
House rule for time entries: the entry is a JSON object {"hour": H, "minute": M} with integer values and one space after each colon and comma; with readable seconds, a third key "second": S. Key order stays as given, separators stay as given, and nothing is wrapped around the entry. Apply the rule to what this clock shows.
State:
{"hour": 7, "minute": 55, "second": 11}
